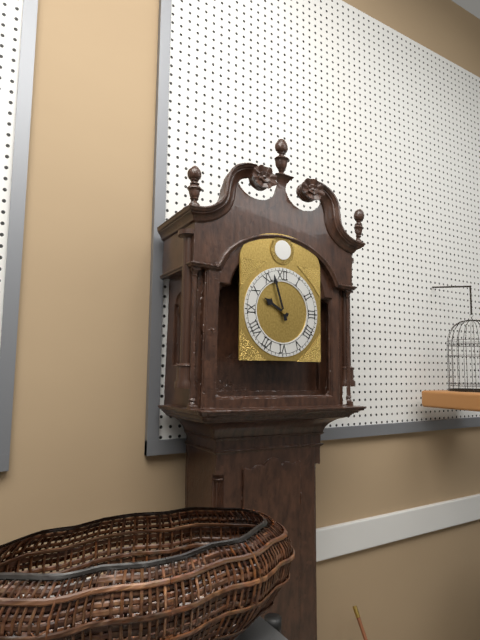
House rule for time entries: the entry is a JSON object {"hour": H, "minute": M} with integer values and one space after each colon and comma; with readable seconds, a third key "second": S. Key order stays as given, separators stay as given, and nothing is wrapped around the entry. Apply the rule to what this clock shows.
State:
{"hour": 9, "minute": 57}
